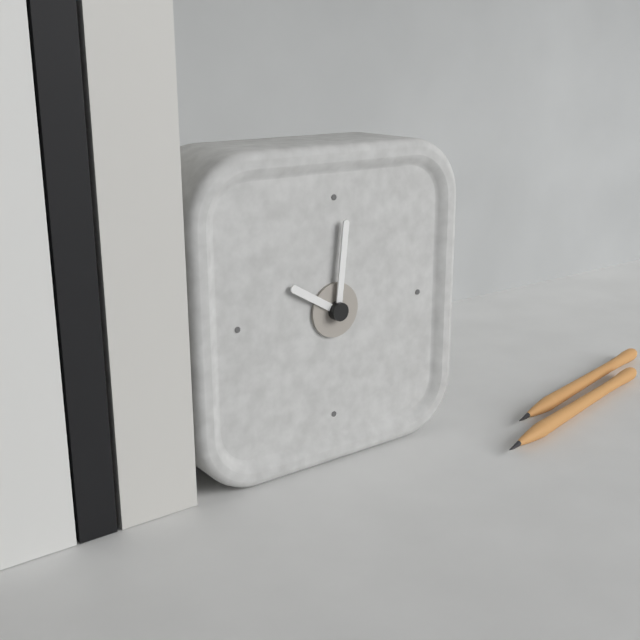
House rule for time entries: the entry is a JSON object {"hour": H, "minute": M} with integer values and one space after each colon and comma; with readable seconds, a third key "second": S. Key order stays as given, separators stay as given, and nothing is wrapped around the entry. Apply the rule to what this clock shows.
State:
{"hour": 10, "minute": 1}
